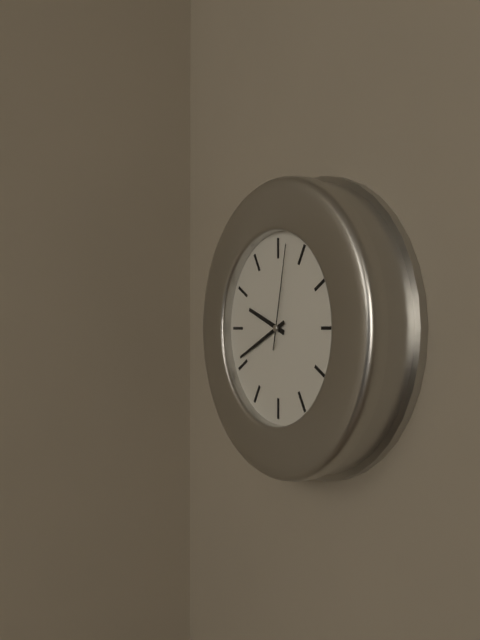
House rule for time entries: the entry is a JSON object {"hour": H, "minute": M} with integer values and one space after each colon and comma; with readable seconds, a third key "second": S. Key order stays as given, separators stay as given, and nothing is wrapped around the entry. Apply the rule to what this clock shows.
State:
{"hour": 9, "minute": 41, "second": 2}
